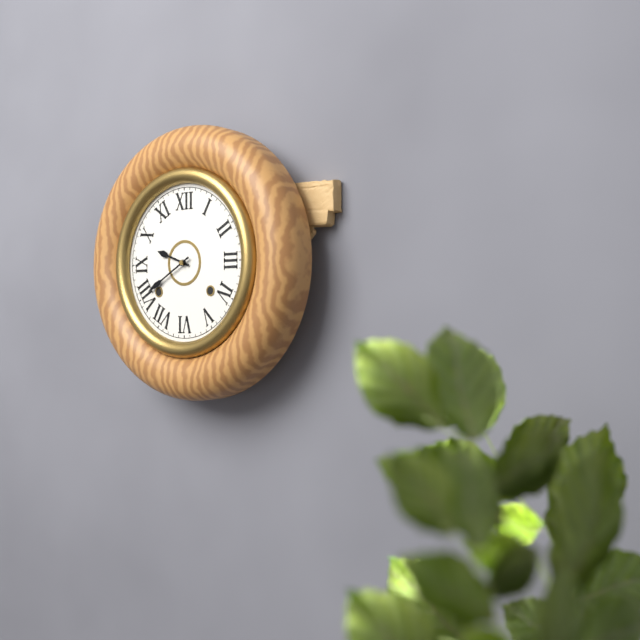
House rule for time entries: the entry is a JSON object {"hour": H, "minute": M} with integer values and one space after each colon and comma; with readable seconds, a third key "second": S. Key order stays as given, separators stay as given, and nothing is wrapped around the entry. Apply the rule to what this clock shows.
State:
{"hour": 9, "minute": 40}
